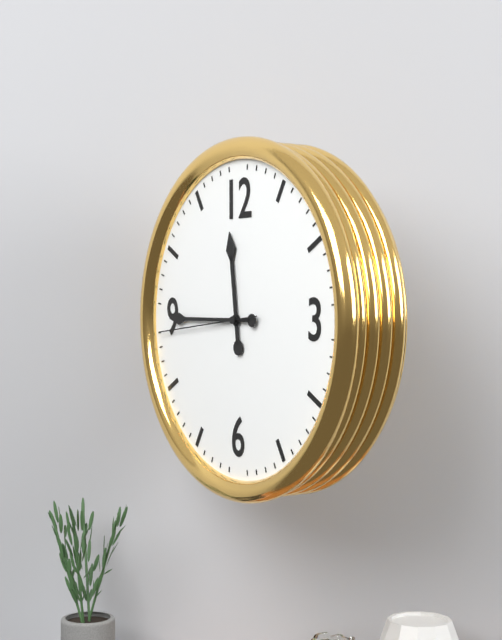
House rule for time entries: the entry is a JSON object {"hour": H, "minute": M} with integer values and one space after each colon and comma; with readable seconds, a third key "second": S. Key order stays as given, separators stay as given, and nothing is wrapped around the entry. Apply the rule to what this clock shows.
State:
{"hour": 11, "minute": 45, "second": 44}
